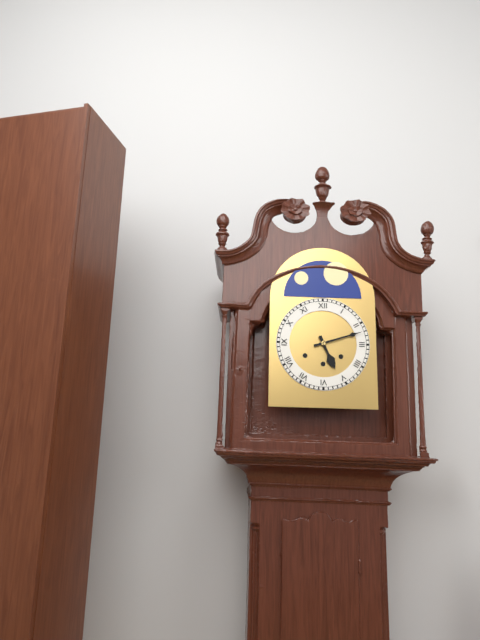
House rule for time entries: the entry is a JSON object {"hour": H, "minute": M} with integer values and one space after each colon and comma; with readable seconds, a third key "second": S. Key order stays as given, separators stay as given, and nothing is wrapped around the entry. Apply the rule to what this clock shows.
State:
{"hour": 5, "minute": 12}
